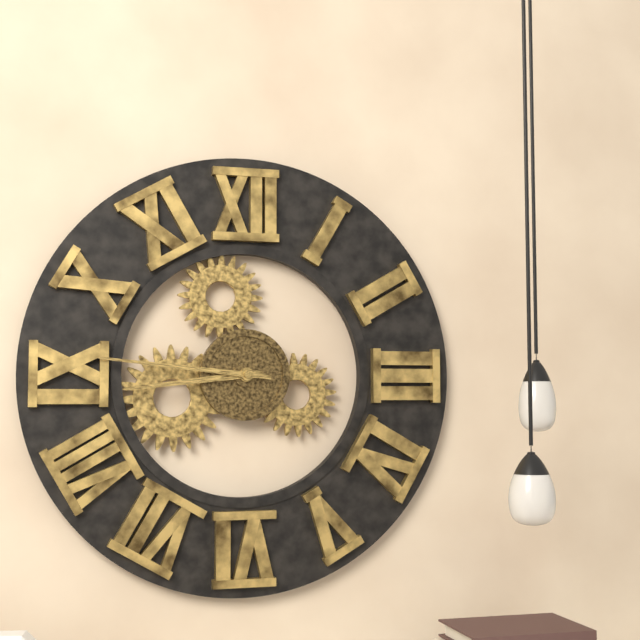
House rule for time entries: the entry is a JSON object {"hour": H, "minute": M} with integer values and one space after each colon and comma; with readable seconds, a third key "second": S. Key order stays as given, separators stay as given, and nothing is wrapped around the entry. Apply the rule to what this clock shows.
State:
{"hour": 8, "minute": 46}
